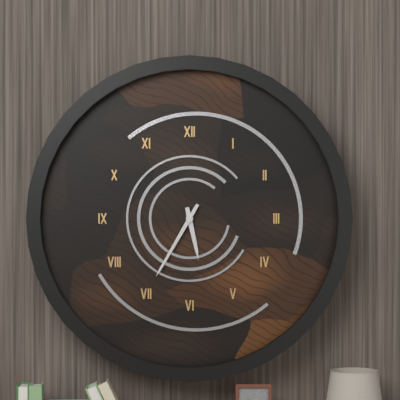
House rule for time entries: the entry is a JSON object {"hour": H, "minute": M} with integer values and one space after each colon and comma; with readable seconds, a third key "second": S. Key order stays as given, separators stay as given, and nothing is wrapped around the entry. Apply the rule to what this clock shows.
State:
{"hour": 5, "minute": 35}
